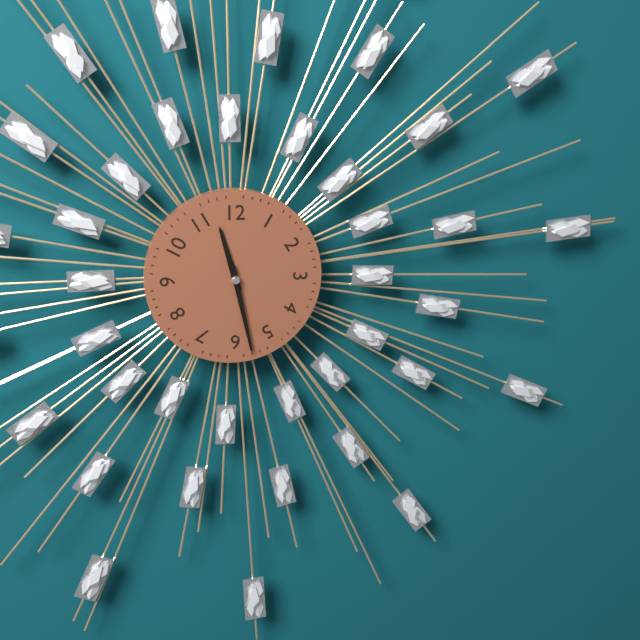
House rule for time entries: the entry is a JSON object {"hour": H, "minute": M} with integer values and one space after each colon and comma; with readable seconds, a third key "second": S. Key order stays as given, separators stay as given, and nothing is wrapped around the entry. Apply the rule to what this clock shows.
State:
{"hour": 11, "minute": 28}
